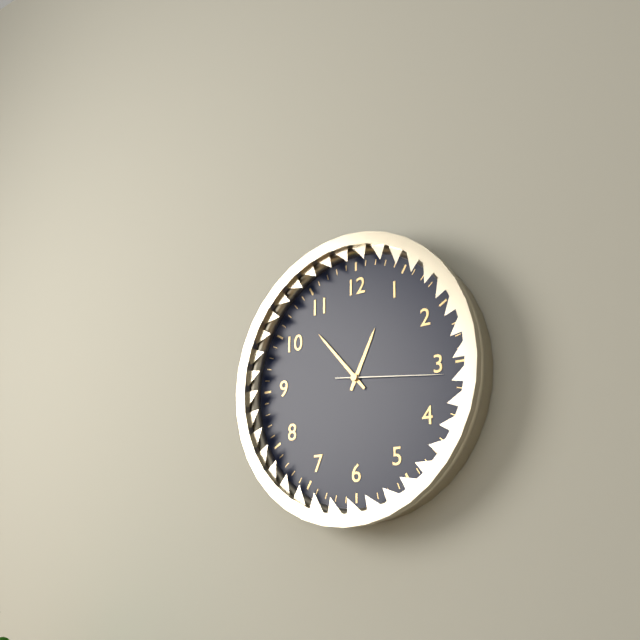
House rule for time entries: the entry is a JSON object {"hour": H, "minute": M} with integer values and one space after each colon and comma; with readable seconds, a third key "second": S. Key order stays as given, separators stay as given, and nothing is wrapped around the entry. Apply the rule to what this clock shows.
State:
{"hour": 12, "minute": 53, "second": 16}
